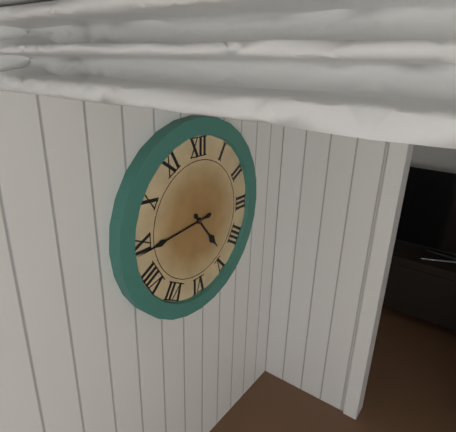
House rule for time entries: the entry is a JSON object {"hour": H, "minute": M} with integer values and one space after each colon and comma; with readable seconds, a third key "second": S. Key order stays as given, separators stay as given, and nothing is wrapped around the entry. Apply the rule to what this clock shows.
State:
{"hour": 4, "minute": 44}
